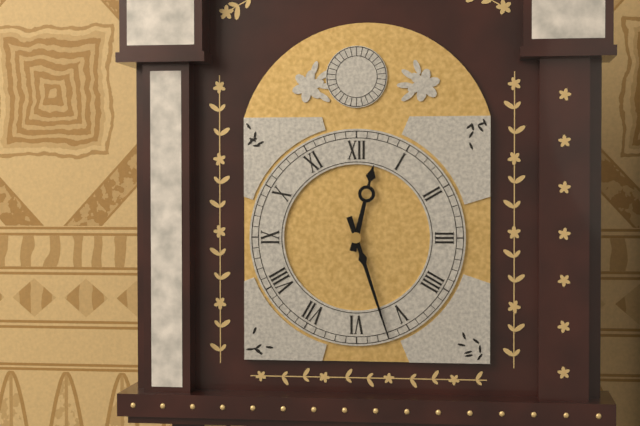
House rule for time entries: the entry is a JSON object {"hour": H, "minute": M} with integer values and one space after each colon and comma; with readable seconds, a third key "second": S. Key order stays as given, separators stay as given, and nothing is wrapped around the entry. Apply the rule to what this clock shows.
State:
{"hour": 12, "minute": 27}
